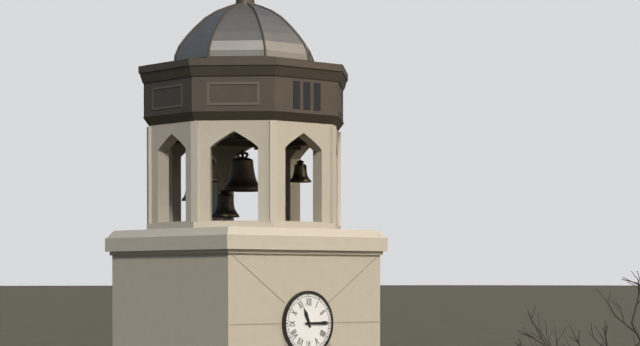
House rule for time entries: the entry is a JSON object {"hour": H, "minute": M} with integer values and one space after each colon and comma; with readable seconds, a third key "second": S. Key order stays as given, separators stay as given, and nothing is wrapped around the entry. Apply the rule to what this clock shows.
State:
{"hour": 11, "minute": 15}
